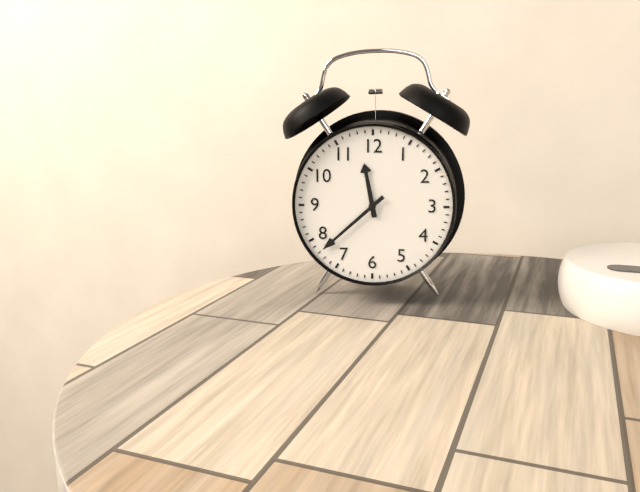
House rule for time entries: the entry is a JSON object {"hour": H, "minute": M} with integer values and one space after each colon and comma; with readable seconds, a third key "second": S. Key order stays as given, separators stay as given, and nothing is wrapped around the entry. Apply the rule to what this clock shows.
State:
{"hour": 11, "minute": 38}
